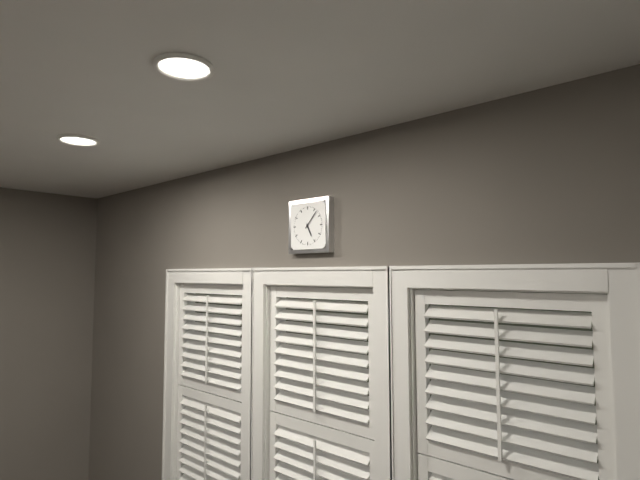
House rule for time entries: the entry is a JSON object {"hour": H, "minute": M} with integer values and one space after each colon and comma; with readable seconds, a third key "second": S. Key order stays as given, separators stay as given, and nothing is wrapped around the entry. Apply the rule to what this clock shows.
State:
{"hour": 5, "minute": 7}
